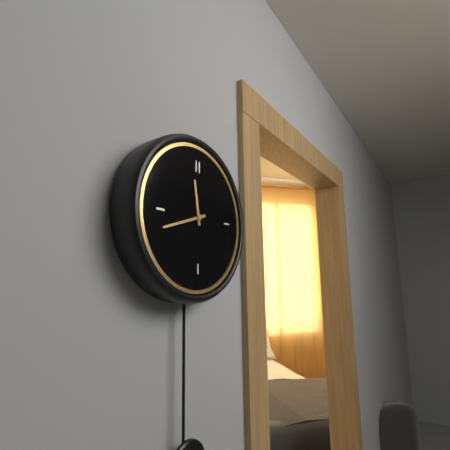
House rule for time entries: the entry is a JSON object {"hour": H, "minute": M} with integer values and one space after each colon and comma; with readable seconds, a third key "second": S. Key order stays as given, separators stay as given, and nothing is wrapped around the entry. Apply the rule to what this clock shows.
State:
{"hour": 11, "minute": 42}
